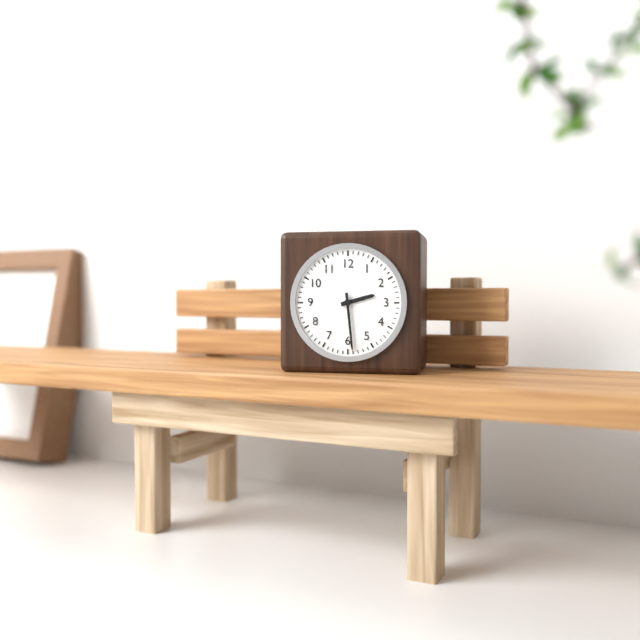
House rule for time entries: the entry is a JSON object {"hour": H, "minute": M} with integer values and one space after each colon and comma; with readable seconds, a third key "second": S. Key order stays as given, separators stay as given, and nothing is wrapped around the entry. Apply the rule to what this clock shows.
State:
{"hour": 2, "minute": 29}
